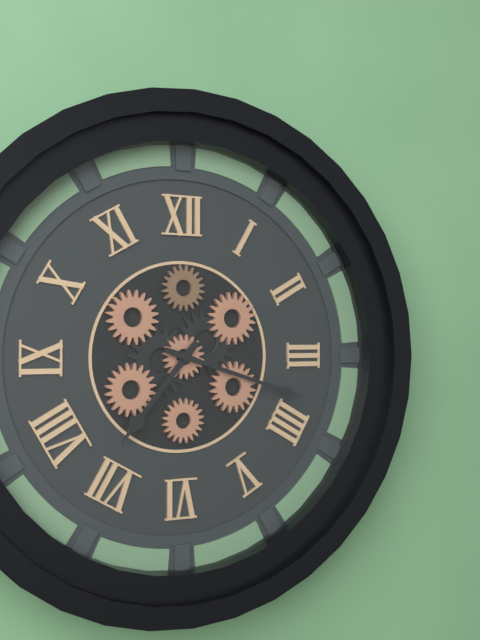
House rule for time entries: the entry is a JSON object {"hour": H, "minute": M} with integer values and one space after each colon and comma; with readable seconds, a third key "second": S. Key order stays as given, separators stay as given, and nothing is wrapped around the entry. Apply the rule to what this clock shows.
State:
{"hour": 7, "minute": 18}
